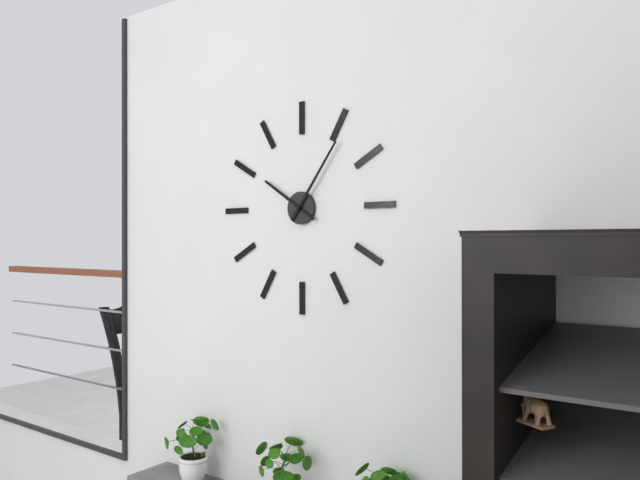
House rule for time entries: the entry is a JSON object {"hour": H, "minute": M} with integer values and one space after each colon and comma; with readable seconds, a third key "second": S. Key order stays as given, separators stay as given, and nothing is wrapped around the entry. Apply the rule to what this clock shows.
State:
{"hour": 10, "minute": 6}
